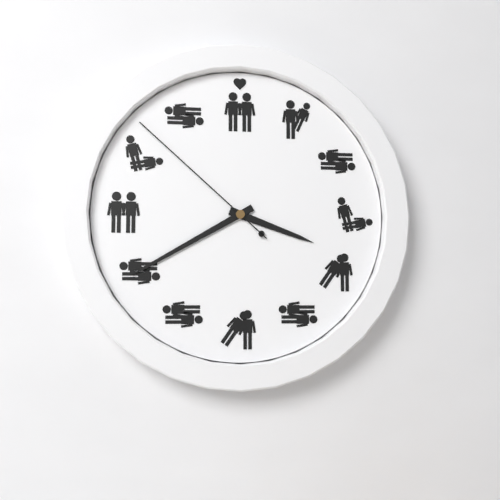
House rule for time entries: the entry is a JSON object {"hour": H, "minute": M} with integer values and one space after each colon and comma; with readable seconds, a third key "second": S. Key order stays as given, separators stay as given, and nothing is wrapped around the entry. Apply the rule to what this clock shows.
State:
{"hour": 3, "minute": 40, "second": 52}
